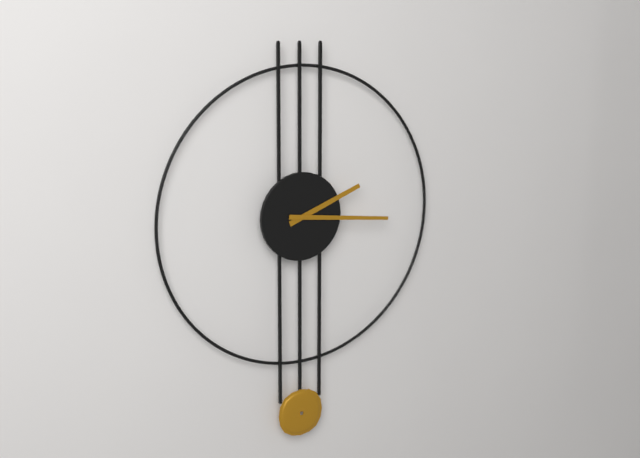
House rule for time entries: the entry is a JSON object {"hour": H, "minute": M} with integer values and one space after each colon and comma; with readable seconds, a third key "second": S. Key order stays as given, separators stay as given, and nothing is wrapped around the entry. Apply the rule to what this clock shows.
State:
{"hour": 2, "minute": 16}
